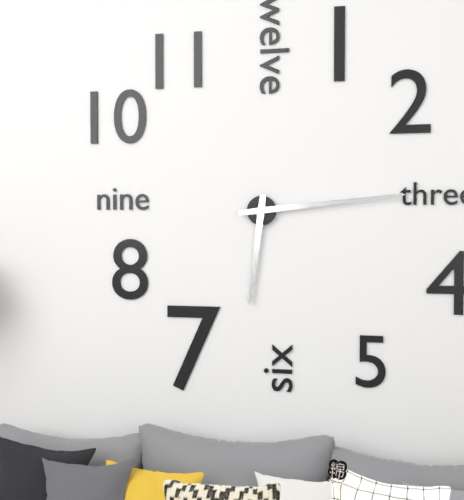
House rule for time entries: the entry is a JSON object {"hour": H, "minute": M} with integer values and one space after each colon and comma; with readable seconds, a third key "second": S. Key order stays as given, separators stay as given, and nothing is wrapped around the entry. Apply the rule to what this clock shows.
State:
{"hour": 6, "minute": 14}
